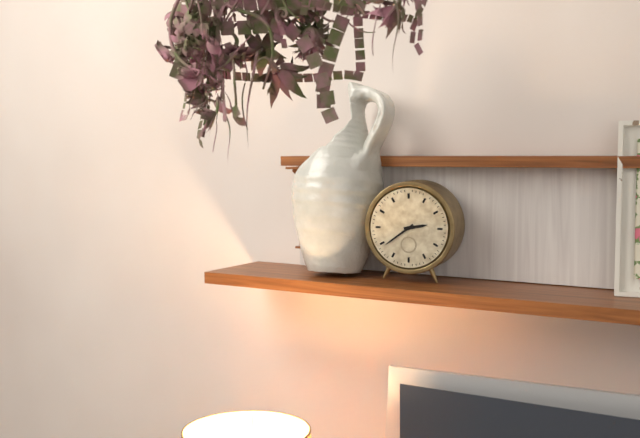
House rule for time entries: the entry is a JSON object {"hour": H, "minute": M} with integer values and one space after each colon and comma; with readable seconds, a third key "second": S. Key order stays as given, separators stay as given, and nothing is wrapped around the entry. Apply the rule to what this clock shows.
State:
{"hour": 2, "minute": 39}
